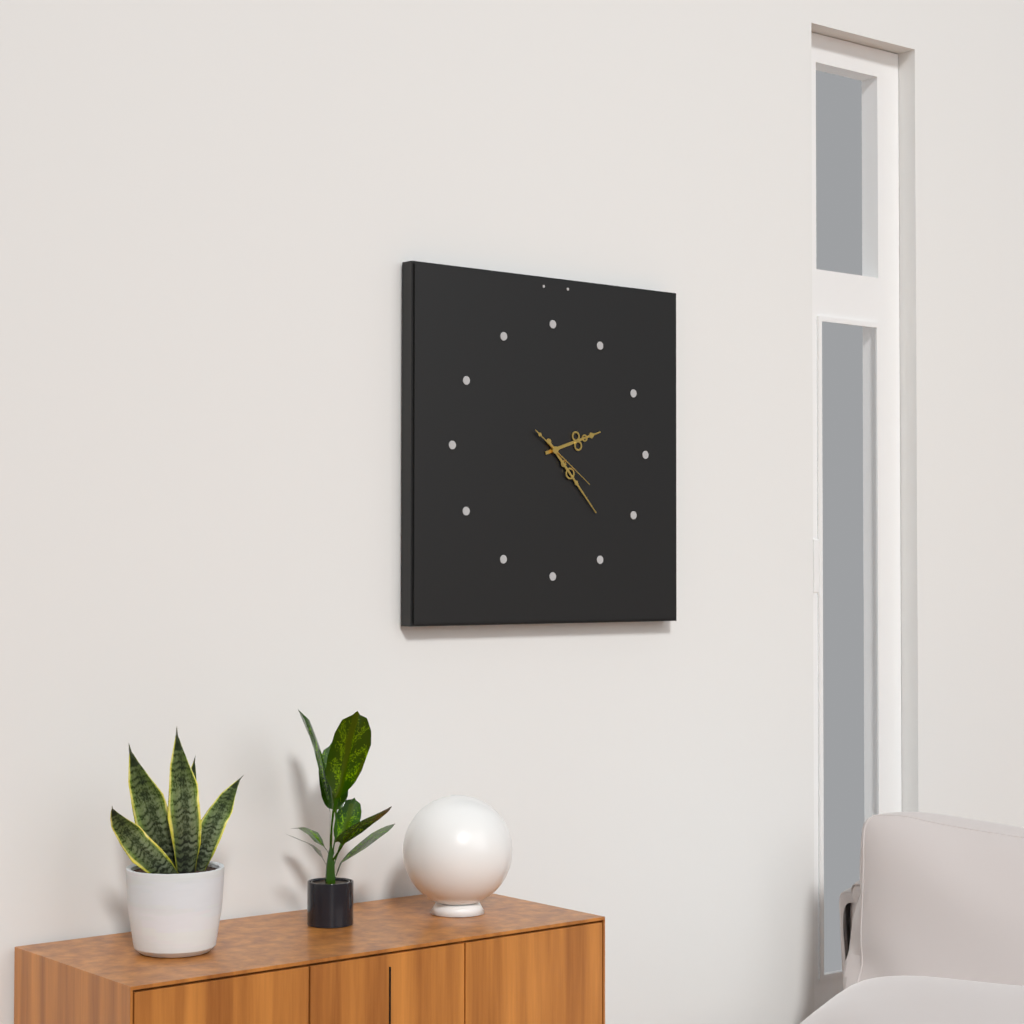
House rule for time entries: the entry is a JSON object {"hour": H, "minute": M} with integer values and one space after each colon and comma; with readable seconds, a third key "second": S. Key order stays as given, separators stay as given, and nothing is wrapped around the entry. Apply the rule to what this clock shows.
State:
{"hour": 2, "minute": 23, "second": 21}
